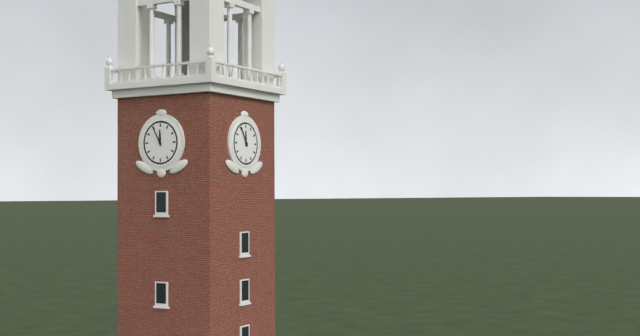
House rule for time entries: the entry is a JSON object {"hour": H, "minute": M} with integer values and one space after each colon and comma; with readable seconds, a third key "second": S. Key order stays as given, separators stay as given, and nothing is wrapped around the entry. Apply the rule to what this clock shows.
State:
{"hour": 11, "minute": 55}
